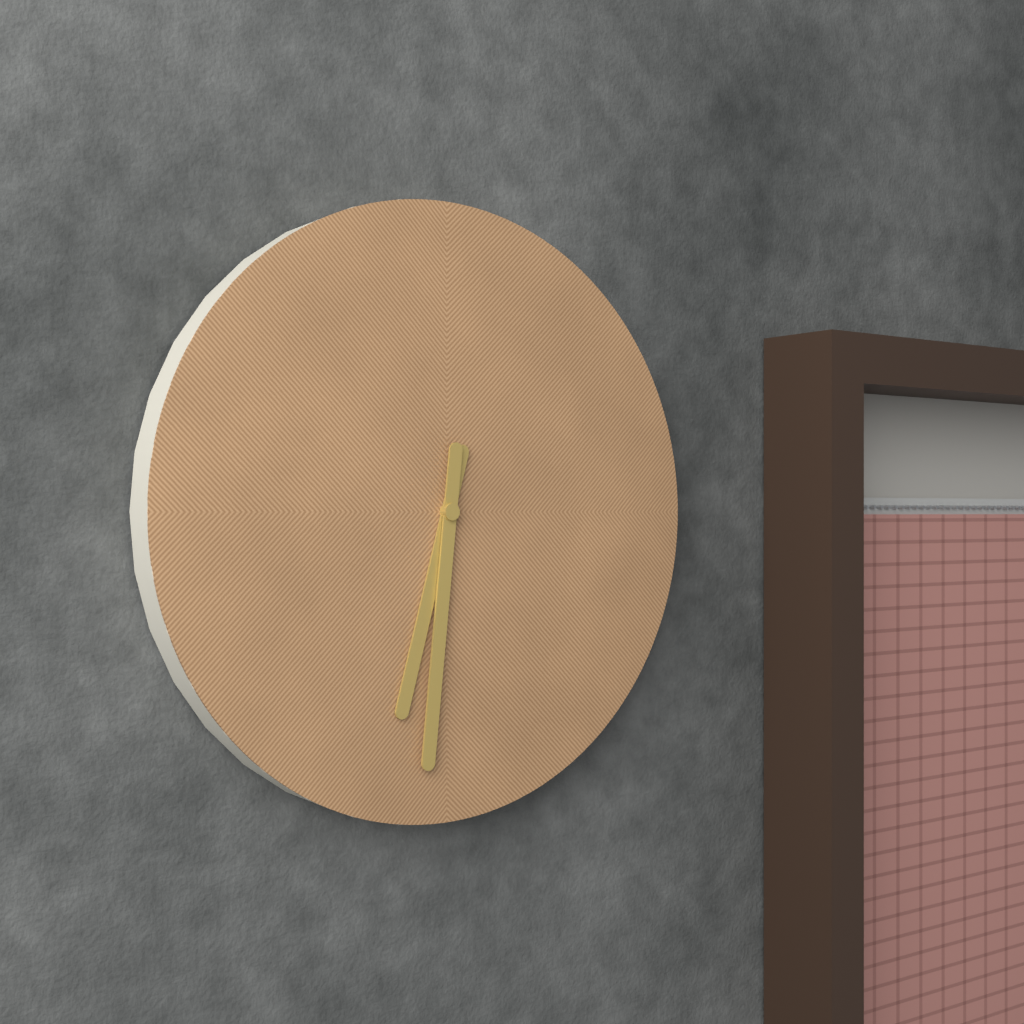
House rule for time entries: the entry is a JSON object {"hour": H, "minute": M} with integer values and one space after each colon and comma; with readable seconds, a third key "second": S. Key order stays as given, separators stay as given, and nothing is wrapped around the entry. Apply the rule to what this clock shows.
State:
{"hour": 6, "minute": 31}
